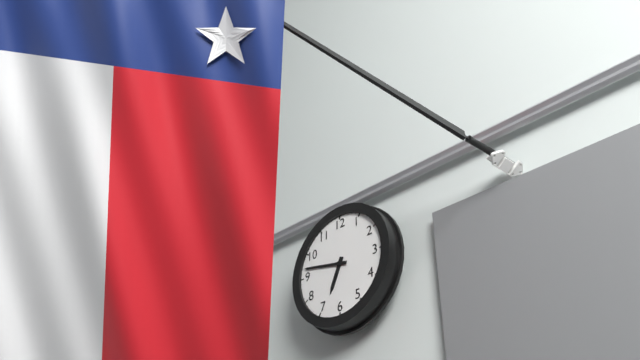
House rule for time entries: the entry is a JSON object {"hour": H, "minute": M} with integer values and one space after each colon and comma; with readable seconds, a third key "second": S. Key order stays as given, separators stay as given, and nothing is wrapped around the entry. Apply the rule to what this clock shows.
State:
{"hour": 6, "minute": 47}
